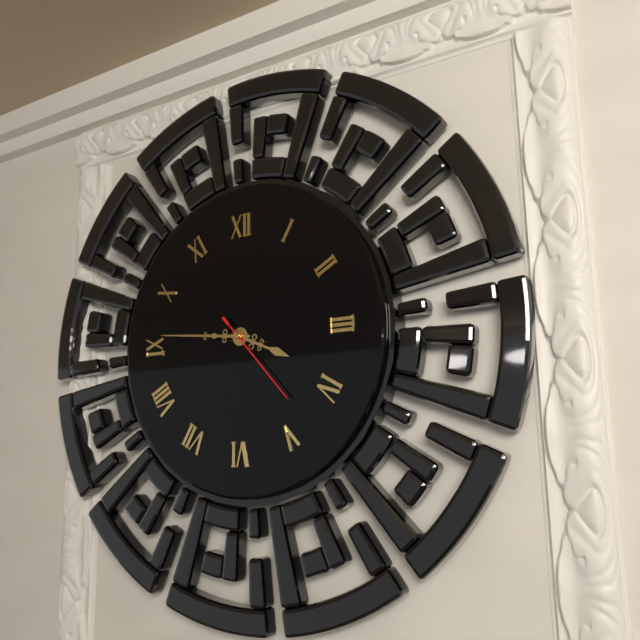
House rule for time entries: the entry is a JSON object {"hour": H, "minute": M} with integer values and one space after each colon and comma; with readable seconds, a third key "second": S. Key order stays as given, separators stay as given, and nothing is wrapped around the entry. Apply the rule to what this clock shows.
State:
{"hour": 3, "minute": 46, "second": 23}
